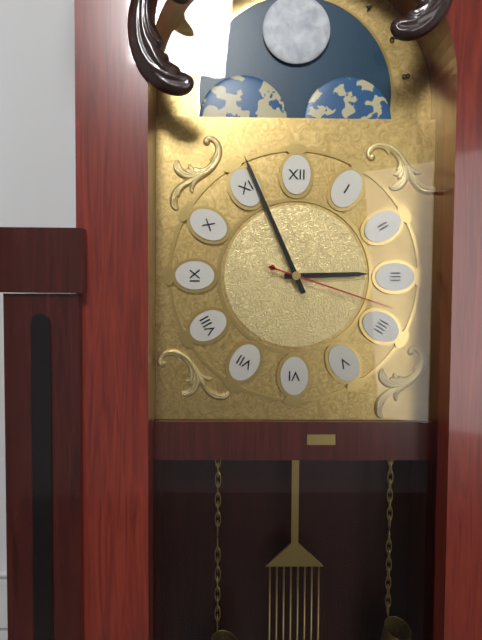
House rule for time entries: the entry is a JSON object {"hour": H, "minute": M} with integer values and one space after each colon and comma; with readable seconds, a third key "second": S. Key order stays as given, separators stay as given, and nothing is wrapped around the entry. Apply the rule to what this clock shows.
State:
{"hour": 2, "minute": 56, "second": 18}
